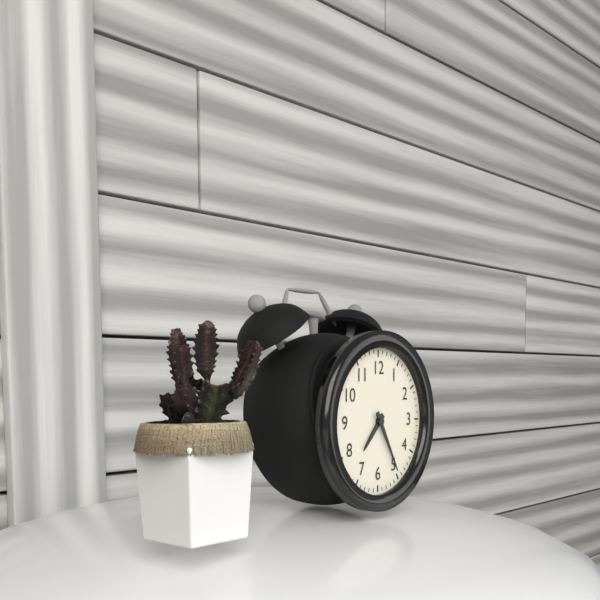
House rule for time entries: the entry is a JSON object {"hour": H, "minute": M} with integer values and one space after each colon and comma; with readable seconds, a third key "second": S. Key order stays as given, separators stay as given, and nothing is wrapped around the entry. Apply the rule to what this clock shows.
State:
{"hour": 7, "minute": 25}
